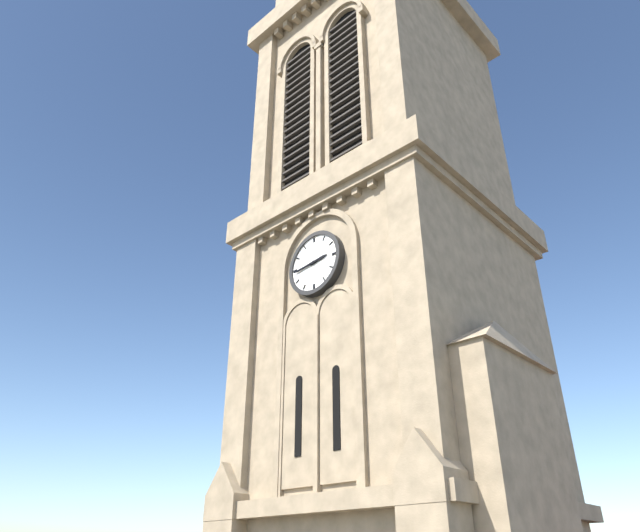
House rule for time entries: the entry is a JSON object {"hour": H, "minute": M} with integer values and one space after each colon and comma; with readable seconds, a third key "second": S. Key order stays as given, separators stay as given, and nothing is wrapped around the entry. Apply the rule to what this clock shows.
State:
{"hour": 2, "minute": 44}
